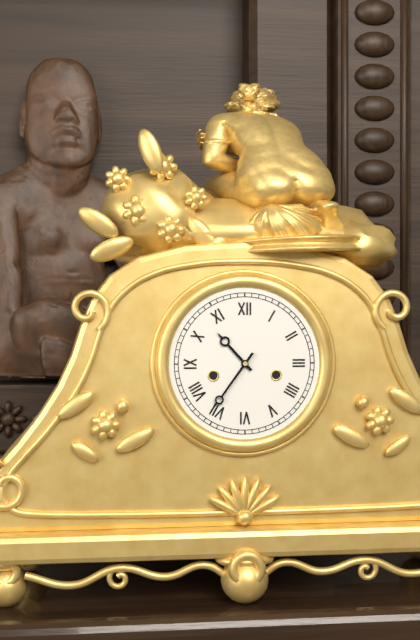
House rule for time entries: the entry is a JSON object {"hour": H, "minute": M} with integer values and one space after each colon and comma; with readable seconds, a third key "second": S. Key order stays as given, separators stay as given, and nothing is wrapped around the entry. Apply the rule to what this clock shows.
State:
{"hour": 10, "minute": 36}
